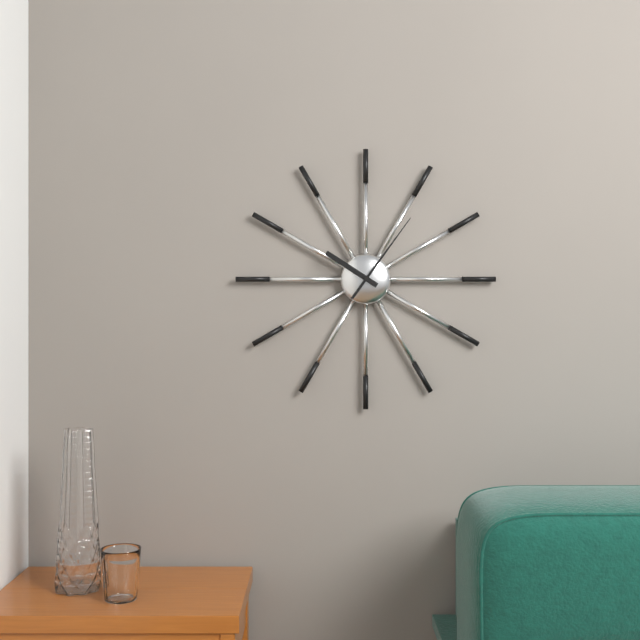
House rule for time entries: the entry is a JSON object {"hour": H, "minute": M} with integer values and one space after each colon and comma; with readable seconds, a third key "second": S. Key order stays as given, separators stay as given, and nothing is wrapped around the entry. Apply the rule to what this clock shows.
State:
{"hour": 10, "minute": 6}
